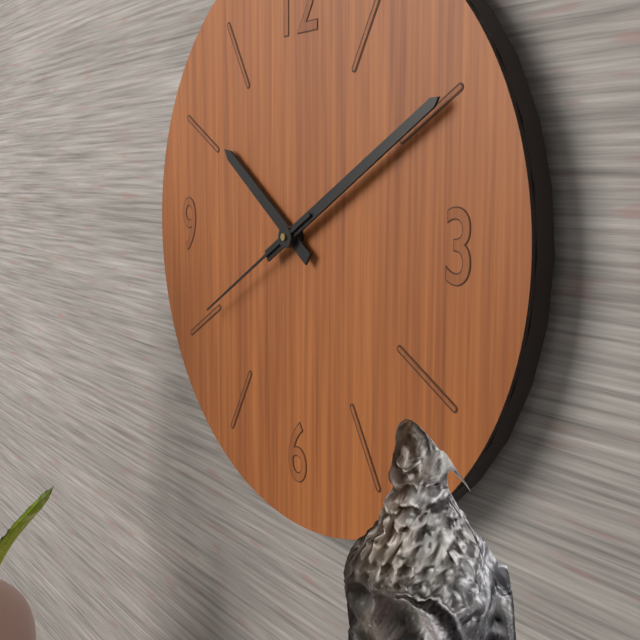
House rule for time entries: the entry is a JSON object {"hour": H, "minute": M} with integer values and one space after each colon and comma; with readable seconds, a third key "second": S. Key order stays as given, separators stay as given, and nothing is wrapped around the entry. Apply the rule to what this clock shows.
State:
{"hour": 10, "minute": 10, "second": 40}
